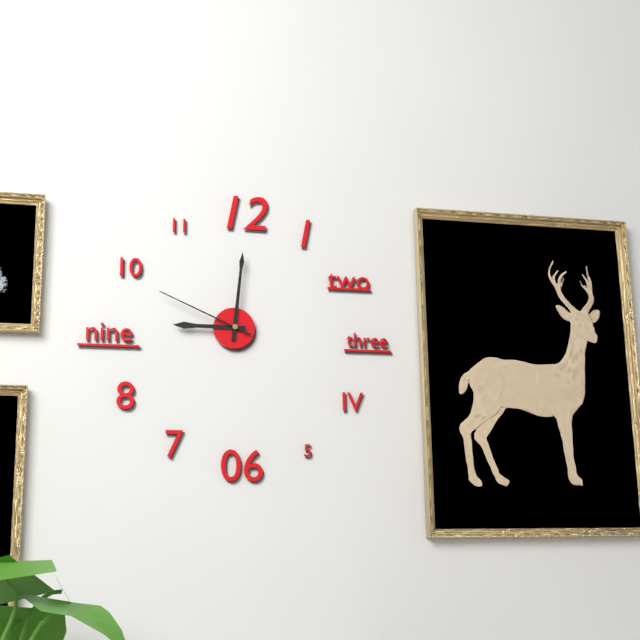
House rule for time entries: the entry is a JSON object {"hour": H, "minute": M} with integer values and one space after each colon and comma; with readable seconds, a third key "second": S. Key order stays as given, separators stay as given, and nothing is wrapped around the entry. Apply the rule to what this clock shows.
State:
{"hour": 9, "minute": 1, "second": 49}
